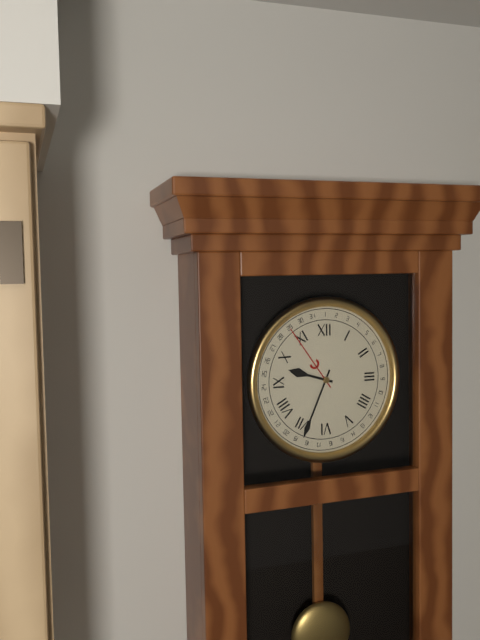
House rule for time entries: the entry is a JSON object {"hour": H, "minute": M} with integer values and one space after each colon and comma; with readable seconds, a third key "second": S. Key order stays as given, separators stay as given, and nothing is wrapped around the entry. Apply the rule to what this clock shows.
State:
{"hour": 9, "minute": 34}
